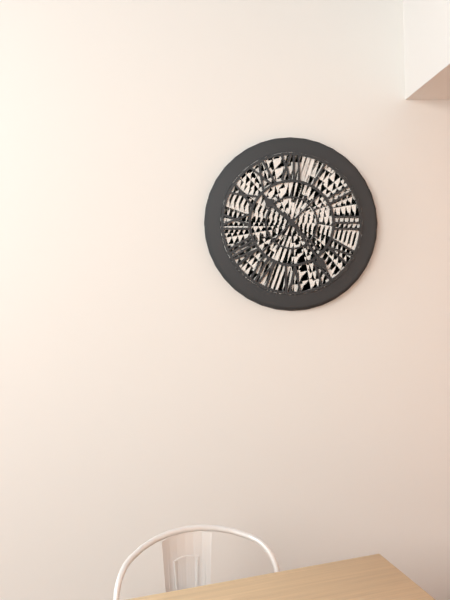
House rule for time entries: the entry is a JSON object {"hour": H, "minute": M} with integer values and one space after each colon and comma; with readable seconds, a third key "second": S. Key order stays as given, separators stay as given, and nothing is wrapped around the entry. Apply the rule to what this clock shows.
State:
{"hour": 10, "minute": 24}
